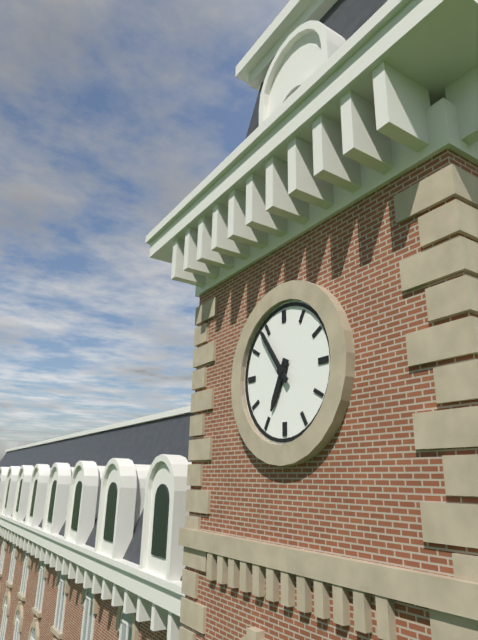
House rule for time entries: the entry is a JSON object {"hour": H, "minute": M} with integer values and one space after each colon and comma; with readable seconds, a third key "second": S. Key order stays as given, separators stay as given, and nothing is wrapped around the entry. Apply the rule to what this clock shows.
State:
{"hour": 6, "minute": 54}
